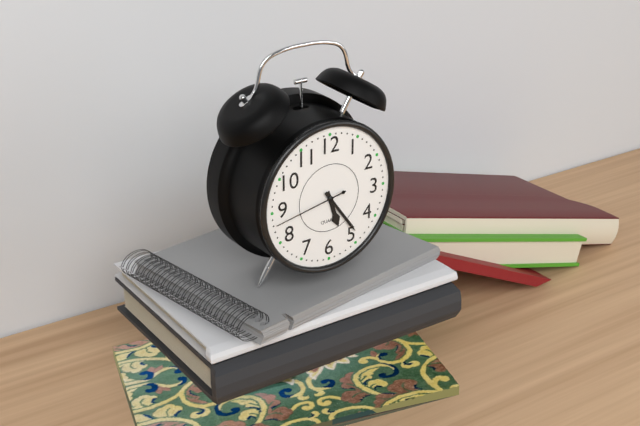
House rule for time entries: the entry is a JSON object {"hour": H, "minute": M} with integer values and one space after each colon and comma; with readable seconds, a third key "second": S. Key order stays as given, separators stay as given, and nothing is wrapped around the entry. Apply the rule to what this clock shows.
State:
{"hour": 5, "minute": 24, "second": 43}
